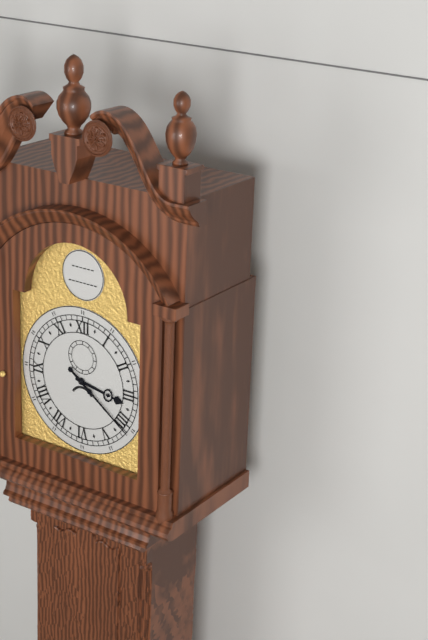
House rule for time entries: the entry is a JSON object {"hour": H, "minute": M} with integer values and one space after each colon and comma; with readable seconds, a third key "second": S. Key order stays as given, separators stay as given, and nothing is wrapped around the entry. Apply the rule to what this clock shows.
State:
{"hour": 3, "minute": 21}
